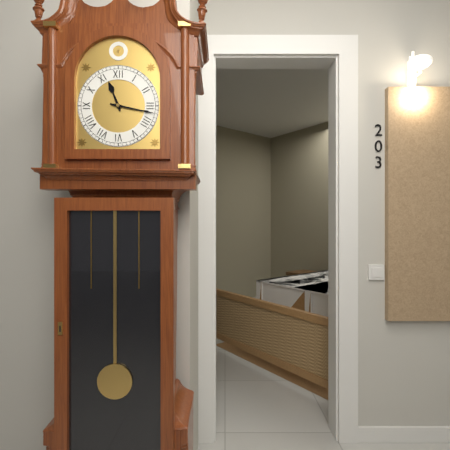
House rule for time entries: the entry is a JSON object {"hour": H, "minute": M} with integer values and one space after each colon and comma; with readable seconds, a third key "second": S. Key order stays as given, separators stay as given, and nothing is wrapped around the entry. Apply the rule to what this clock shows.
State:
{"hour": 11, "minute": 17}
